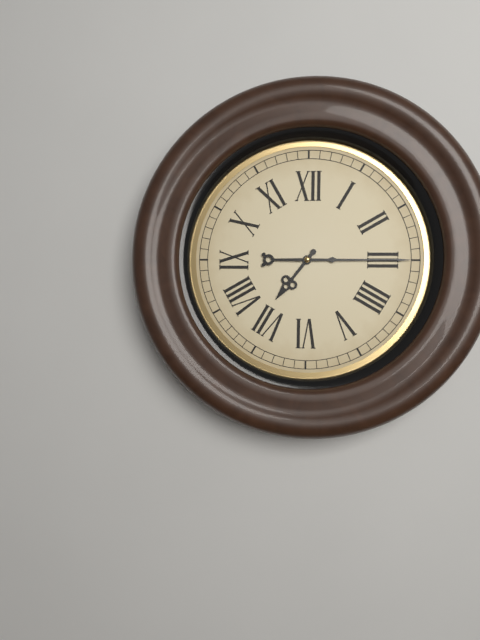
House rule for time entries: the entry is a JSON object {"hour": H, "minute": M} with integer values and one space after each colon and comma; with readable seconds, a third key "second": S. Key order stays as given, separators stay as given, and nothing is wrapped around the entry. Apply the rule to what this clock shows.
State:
{"hour": 7, "minute": 15}
